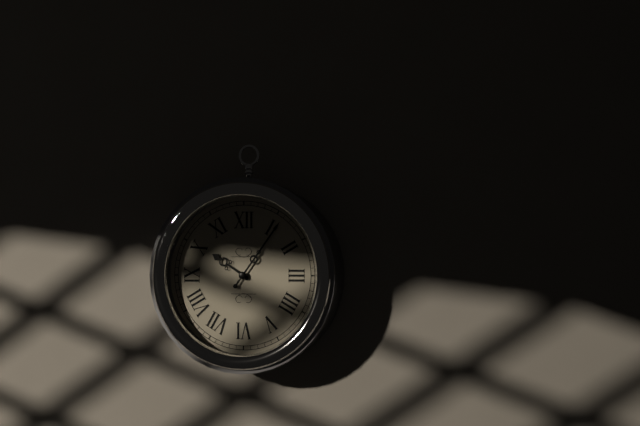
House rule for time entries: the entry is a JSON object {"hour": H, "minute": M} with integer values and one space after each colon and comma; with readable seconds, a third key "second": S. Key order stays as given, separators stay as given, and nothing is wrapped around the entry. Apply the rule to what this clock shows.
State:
{"hour": 10, "minute": 6}
